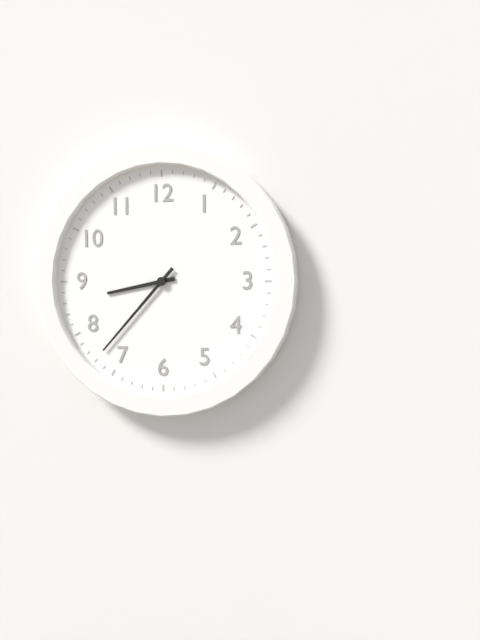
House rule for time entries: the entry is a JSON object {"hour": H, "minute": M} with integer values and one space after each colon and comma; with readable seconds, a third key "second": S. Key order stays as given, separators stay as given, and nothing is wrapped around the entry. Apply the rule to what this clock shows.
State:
{"hour": 8, "minute": 37}
